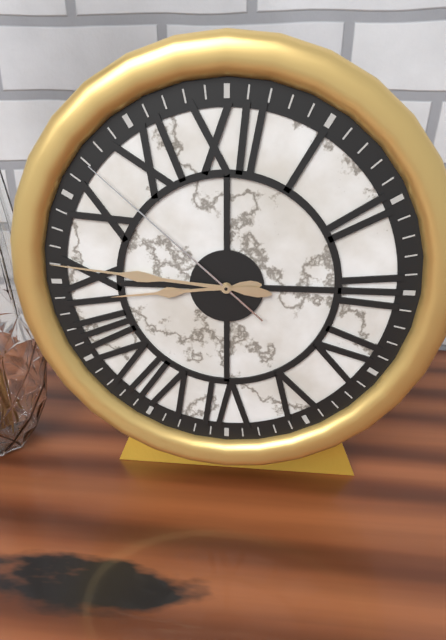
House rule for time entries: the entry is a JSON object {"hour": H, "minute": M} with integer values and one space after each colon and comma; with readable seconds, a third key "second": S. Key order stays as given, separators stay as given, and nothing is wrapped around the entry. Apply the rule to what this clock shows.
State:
{"hour": 8, "minute": 46, "second": 52}
